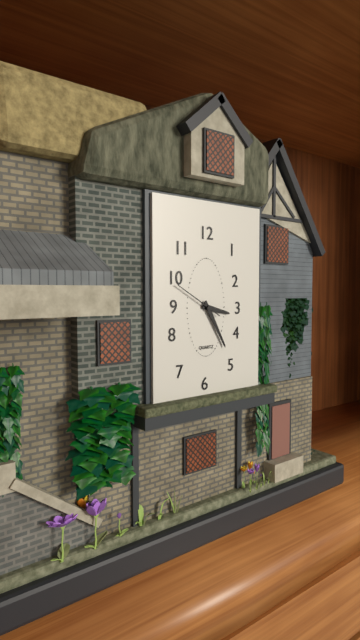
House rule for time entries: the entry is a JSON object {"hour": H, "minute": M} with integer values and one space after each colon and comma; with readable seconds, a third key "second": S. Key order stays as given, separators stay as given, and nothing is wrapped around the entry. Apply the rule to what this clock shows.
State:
{"hour": 3, "minute": 25}
